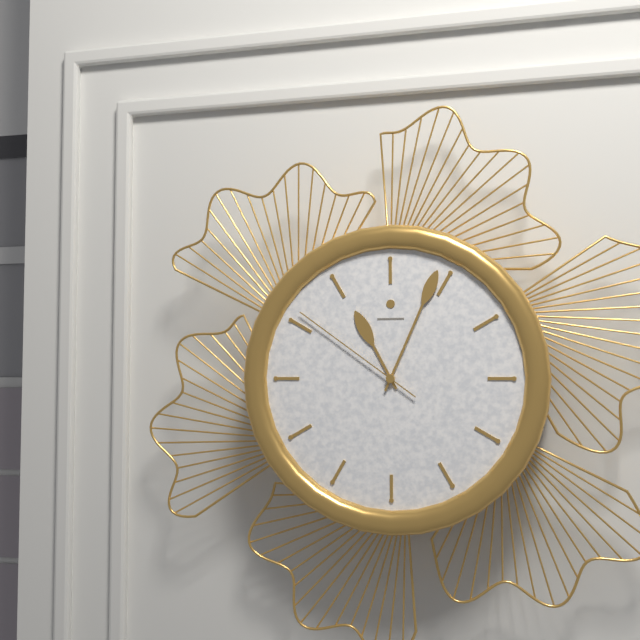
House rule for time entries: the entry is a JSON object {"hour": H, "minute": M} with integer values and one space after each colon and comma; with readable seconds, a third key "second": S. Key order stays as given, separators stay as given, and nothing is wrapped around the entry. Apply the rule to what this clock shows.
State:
{"hour": 11, "minute": 4, "second": 51}
